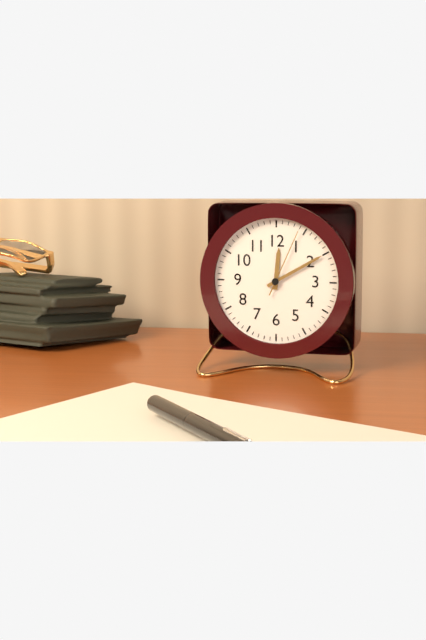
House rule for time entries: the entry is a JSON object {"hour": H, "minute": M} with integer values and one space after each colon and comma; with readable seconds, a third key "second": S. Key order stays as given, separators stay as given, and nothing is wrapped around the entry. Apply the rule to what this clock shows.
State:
{"hour": 12, "minute": 10, "second": 4}
